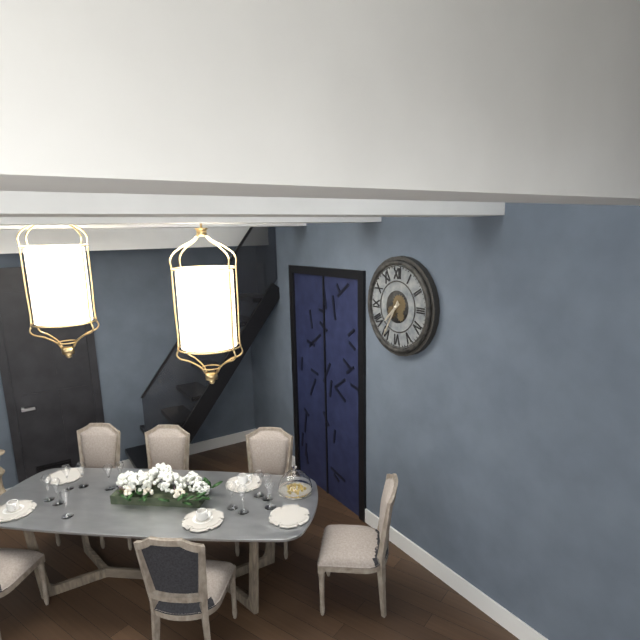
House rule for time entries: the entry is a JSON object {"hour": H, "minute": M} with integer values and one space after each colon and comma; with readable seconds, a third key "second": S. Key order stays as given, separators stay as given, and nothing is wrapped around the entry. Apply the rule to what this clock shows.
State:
{"hour": 7, "minute": 35}
